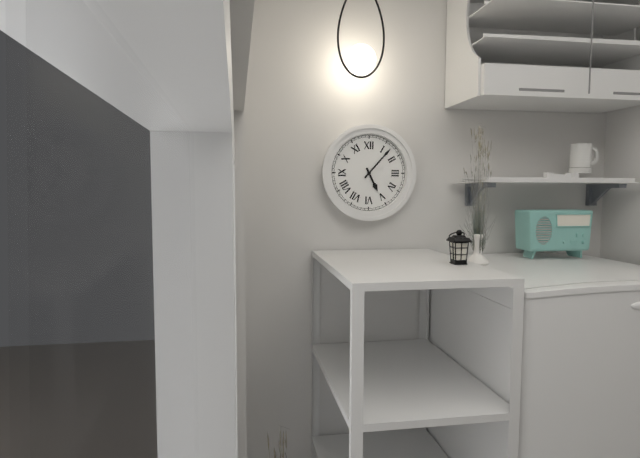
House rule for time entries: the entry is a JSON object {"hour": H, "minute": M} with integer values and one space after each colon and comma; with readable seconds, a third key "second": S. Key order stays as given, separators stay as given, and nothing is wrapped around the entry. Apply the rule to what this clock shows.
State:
{"hour": 5, "minute": 7}
